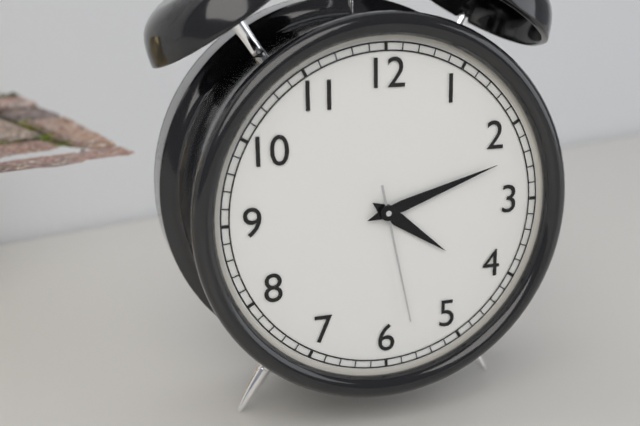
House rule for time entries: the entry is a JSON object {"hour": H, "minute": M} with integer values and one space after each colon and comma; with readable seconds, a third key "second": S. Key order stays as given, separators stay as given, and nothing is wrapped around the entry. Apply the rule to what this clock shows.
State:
{"hour": 4, "minute": 12, "second": 28}
